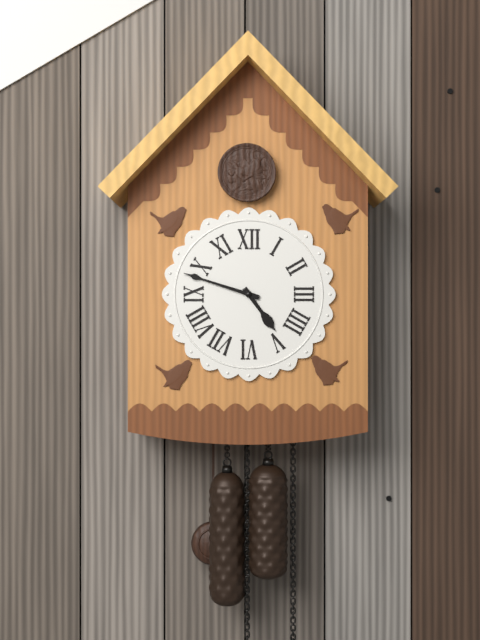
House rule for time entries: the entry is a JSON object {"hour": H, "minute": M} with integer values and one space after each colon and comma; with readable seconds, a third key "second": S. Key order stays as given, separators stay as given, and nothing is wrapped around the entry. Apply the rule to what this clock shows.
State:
{"hour": 4, "minute": 48}
